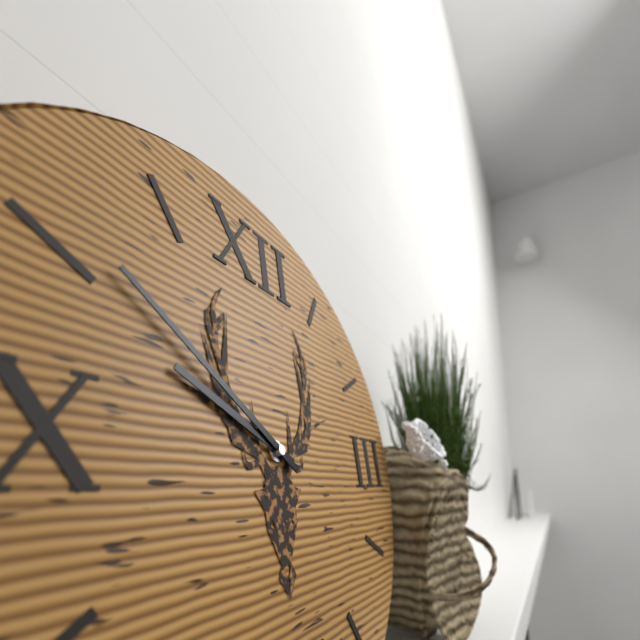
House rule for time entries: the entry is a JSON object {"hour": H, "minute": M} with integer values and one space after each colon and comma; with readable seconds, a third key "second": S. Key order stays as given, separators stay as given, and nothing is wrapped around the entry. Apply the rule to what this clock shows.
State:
{"hour": 9, "minute": 51}
